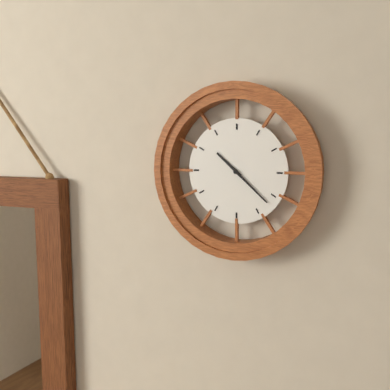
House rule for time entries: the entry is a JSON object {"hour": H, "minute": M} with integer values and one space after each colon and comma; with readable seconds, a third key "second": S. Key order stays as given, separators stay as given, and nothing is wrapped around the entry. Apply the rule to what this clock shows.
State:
{"hour": 10, "minute": 22}
